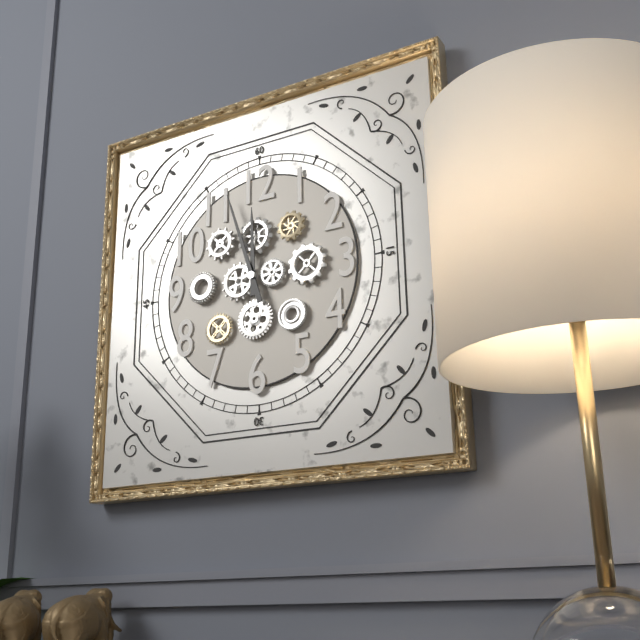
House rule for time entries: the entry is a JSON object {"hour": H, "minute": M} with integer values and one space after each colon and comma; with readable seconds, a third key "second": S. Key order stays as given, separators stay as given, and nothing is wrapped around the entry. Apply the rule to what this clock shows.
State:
{"hour": 11, "minute": 57}
